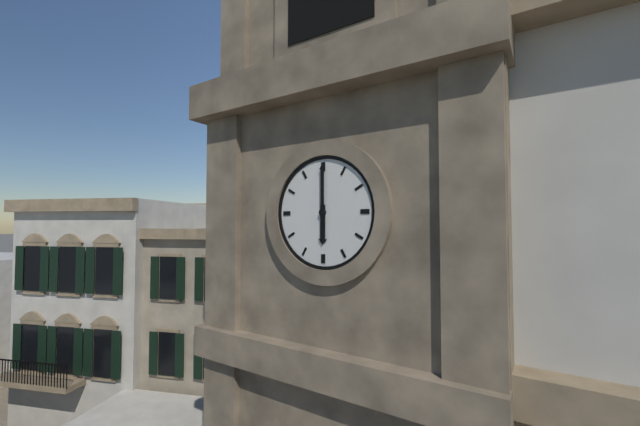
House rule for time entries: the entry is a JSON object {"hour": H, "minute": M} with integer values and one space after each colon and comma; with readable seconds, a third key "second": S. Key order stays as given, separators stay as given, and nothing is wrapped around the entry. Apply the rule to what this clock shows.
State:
{"hour": 6, "minute": 0}
